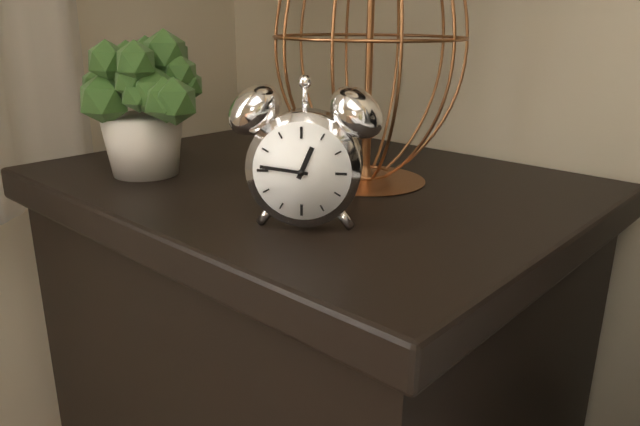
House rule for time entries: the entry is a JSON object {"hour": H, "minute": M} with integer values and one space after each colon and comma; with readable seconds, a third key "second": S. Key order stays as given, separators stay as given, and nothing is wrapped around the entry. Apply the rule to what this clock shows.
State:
{"hour": 12, "minute": 46}
